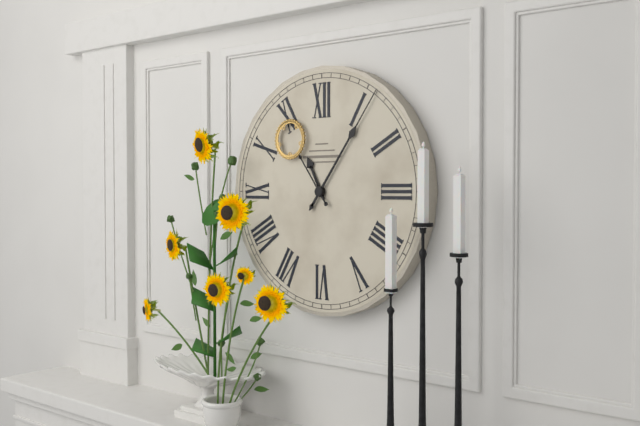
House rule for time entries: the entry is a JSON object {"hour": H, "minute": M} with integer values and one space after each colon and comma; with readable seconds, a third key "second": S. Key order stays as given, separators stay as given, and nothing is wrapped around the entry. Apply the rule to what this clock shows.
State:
{"hour": 11, "minute": 6, "second": 54}
